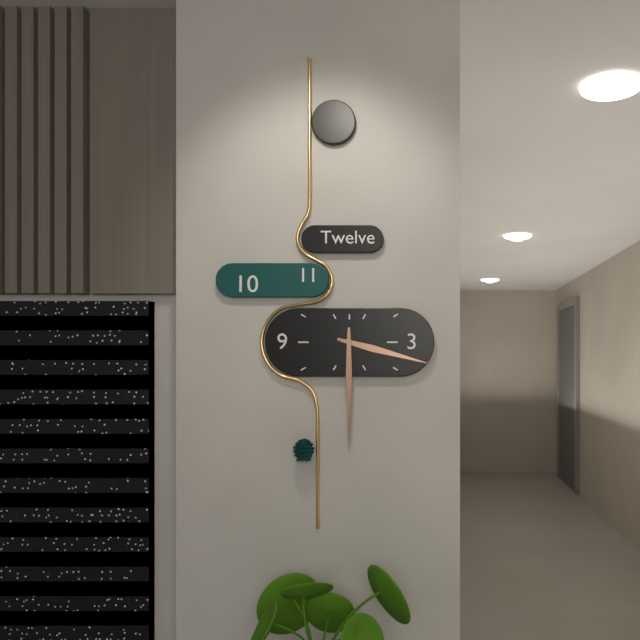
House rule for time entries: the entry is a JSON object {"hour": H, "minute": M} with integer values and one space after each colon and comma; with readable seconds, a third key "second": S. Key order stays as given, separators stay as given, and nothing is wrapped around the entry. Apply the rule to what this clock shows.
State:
{"hour": 3, "minute": 30}
